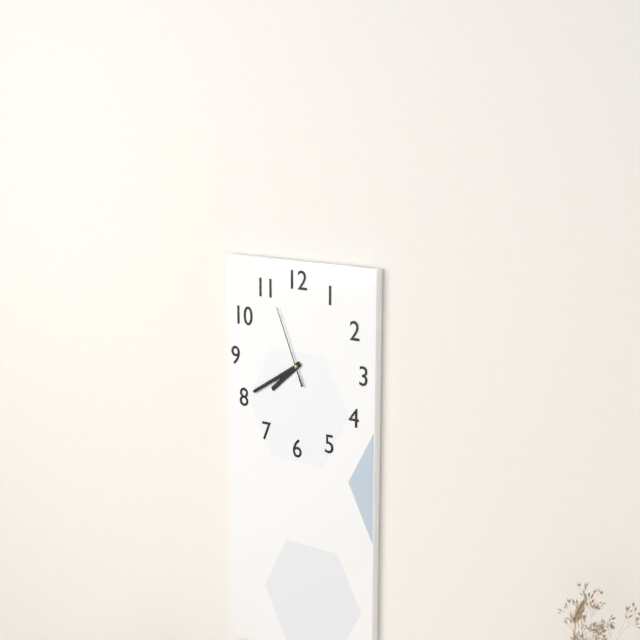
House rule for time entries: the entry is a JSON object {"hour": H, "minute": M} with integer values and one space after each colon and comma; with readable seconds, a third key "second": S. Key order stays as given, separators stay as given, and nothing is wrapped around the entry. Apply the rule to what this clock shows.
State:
{"hour": 7, "minute": 40, "second": 56}
